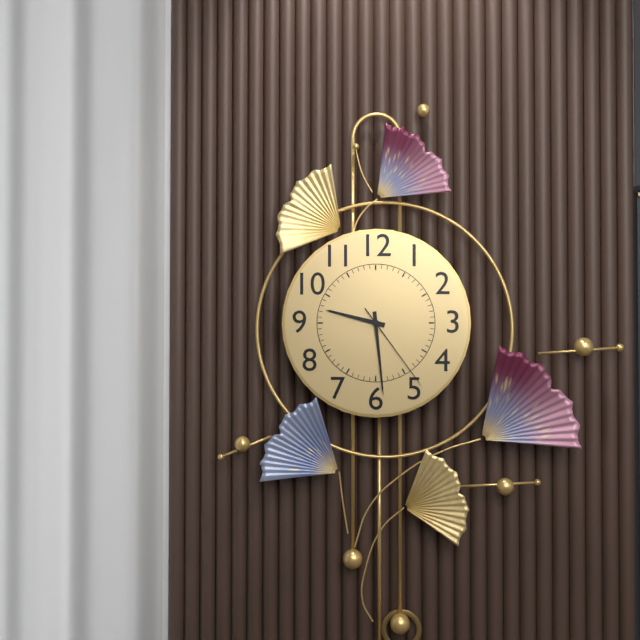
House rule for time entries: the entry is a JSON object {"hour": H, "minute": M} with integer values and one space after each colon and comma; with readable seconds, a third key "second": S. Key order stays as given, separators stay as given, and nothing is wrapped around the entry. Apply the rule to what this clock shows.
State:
{"hour": 9, "minute": 29, "second": 24}
